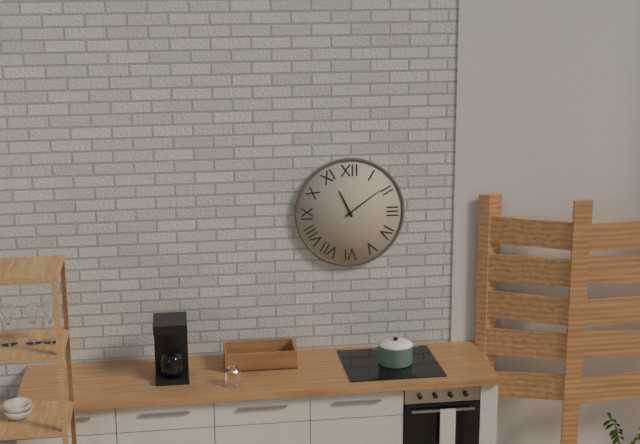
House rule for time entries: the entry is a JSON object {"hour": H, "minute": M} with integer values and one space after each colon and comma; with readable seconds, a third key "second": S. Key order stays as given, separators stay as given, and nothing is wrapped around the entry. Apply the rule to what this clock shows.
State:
{"hour": 11, "minute": 9}
